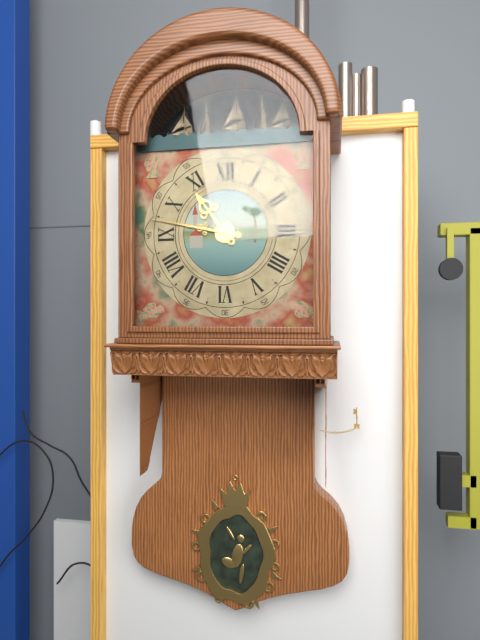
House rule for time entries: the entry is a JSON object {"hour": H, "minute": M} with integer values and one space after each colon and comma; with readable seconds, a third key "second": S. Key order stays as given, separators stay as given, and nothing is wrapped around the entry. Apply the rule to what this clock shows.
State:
{"hour": 10, "minute": 47}
